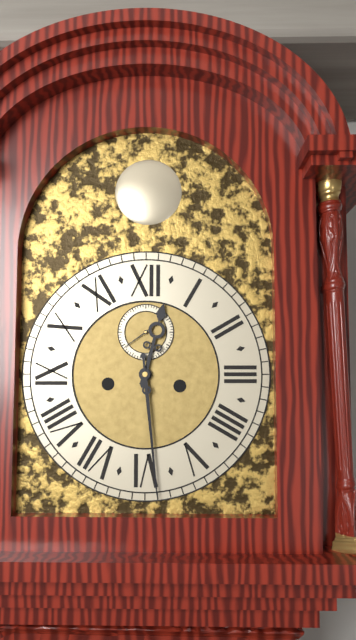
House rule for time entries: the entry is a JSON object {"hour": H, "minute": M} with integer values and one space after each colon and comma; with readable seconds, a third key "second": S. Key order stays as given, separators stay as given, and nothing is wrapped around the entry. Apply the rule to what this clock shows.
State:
{"hour": 12, "minute": 29}
